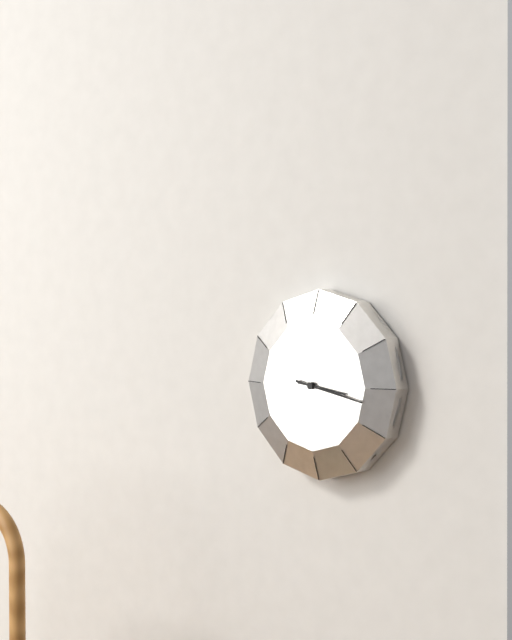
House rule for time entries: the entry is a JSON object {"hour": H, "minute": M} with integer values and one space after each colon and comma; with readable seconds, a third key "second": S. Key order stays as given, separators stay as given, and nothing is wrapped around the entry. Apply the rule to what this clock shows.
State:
{"hour": 3, "minute": 17}
